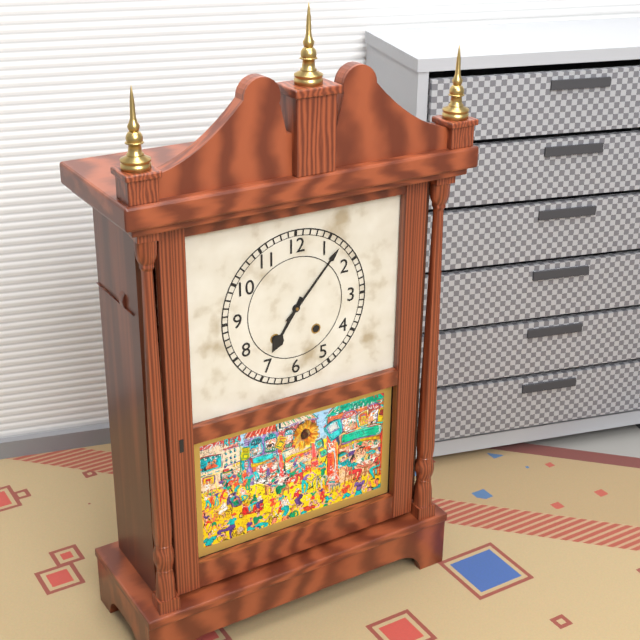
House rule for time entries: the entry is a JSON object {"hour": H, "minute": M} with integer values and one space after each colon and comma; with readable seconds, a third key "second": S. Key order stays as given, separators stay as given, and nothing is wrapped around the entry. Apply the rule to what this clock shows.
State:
{"hour": 7, "minute": 7}
